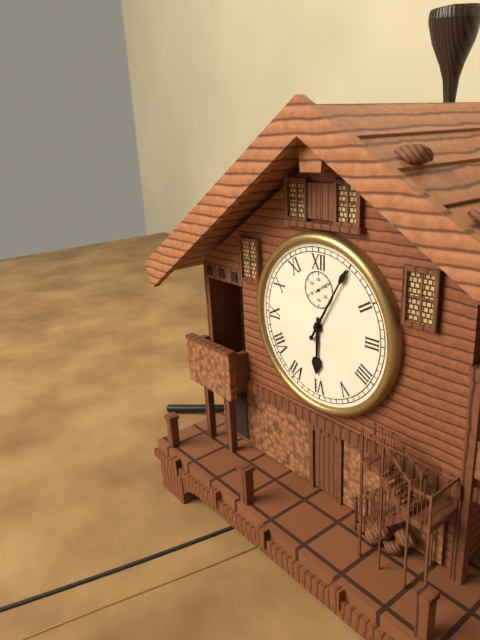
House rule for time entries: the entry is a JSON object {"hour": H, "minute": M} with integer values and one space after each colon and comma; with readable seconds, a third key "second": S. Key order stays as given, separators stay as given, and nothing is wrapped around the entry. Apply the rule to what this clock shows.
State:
{"hour": 6, "minute": 5}
